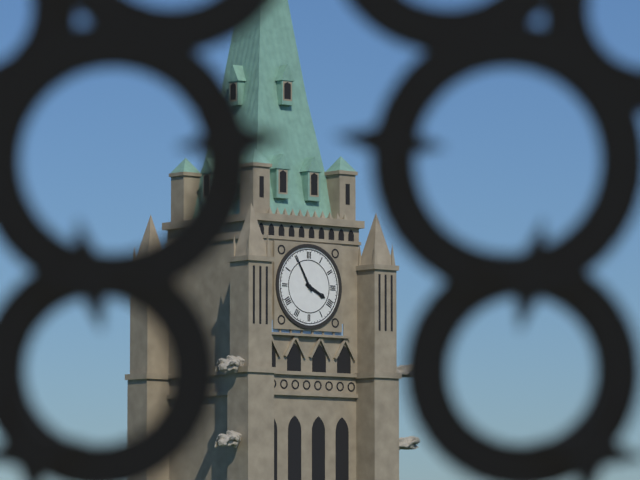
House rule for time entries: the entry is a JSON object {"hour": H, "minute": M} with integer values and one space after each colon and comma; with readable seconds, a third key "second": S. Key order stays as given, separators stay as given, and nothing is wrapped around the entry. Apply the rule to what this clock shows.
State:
{"hour": 3, "minute": 55}
